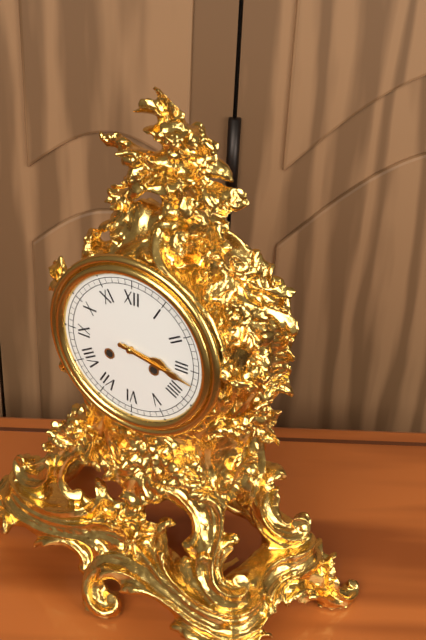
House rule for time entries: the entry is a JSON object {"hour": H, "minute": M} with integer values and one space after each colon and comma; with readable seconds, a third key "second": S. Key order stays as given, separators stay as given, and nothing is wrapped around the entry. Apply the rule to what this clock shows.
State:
{"hour": 3, "minute": 17}
